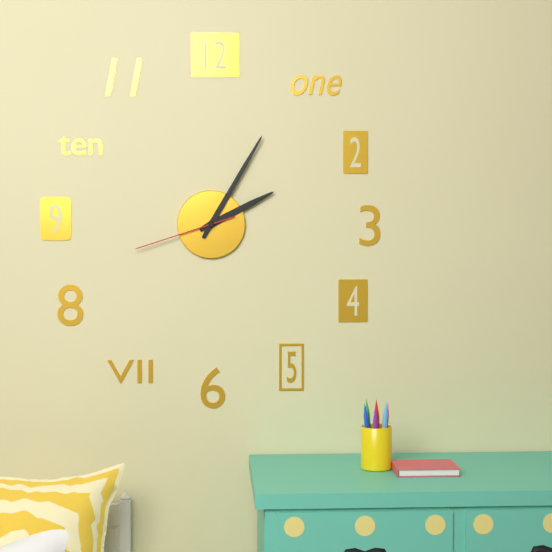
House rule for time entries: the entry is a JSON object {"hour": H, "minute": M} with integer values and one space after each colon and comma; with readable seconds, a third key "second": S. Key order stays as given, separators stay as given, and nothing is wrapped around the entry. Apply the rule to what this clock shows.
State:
{"hour": 2, "minute": 5, "second": 42}
